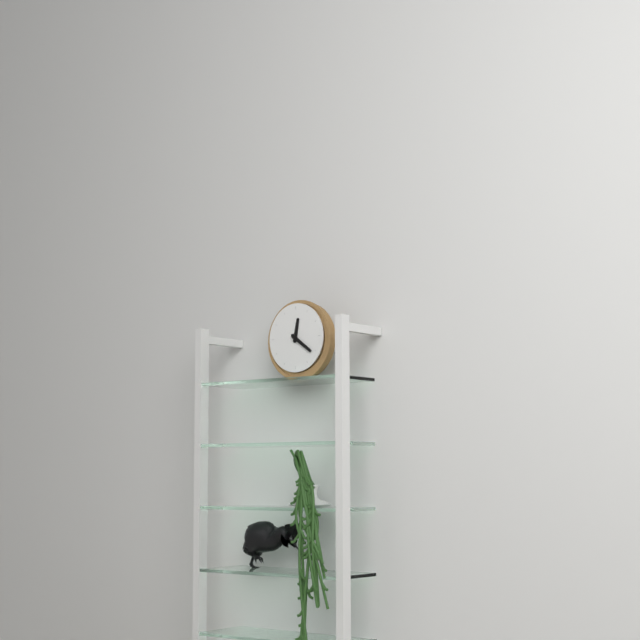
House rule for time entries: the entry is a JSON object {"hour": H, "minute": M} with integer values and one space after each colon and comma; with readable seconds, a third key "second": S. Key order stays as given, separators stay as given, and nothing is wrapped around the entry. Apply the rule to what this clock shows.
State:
{"hour": 12, "minute": 21}
